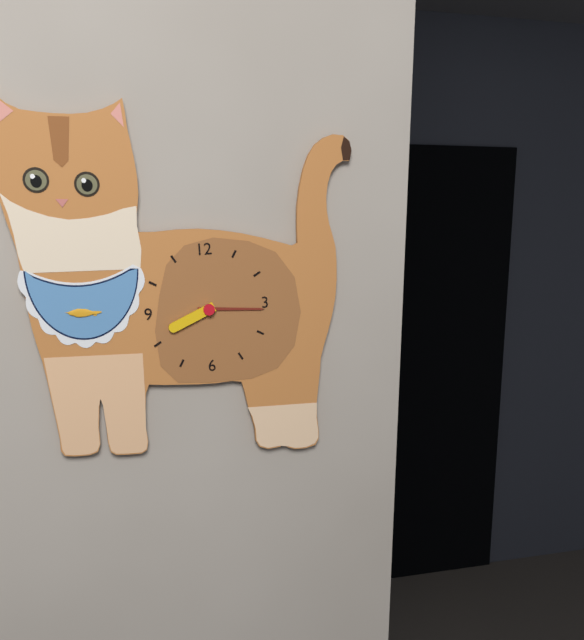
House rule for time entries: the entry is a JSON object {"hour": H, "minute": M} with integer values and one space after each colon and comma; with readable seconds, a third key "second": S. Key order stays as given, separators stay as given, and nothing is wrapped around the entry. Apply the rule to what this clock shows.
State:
{"hour": 8, "minute": 16}
